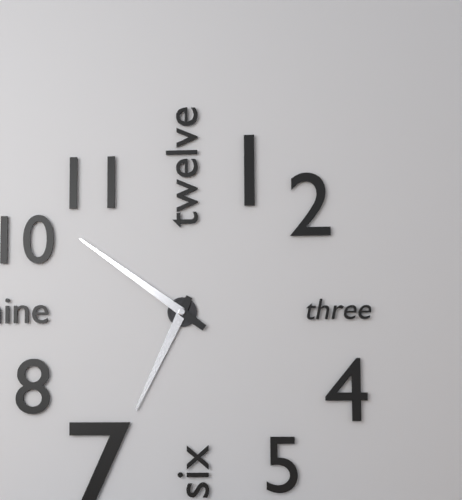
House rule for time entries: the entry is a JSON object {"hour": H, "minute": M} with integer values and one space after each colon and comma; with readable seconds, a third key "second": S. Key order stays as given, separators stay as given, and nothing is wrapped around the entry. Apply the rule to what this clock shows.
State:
{"hour": 6, "minute": 51}
